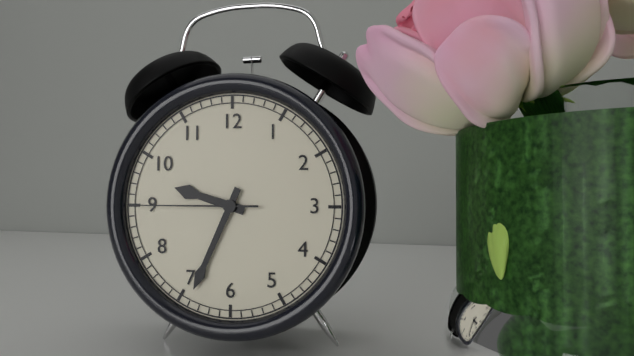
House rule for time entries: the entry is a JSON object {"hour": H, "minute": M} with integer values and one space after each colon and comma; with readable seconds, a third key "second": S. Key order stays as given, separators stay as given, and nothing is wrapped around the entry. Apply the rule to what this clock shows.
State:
{"hour": 9, "minute": 34, "second": 45}
